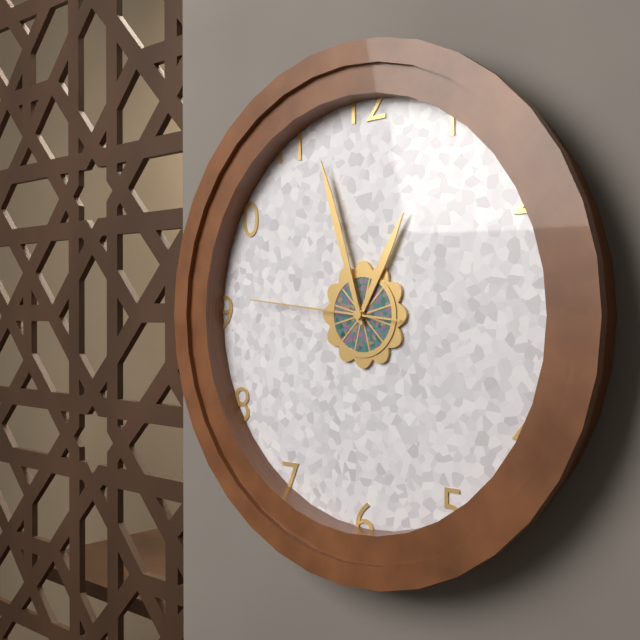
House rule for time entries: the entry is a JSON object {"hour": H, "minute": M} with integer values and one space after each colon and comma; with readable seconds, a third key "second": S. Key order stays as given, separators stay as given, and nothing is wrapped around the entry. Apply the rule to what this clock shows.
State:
{"hour": 12, "minute": 57, "second": 46}
